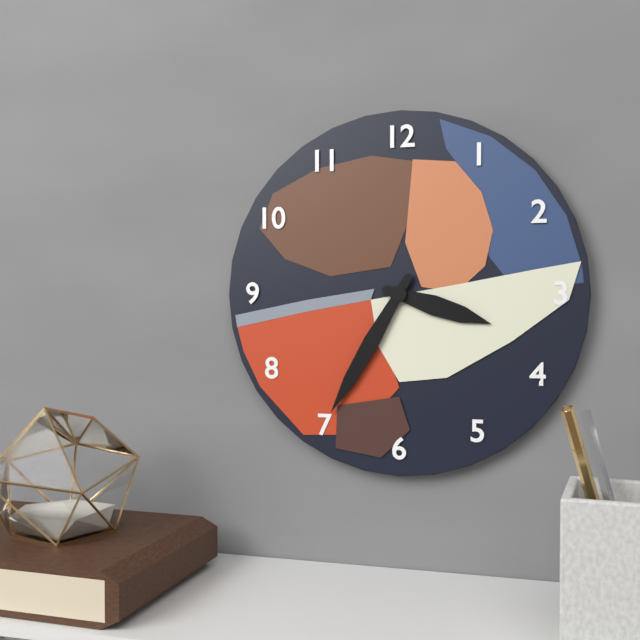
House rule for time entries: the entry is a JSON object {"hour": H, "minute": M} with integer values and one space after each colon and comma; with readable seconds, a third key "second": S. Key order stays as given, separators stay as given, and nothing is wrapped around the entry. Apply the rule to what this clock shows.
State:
{"hour": 3, "minute": 35}
